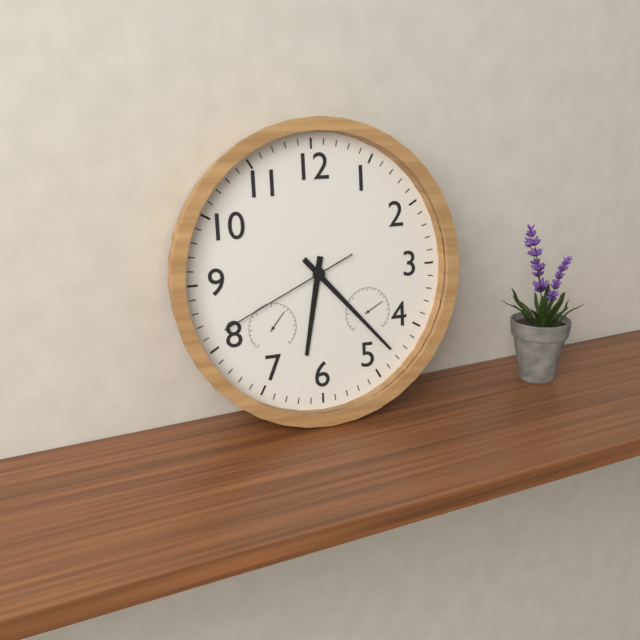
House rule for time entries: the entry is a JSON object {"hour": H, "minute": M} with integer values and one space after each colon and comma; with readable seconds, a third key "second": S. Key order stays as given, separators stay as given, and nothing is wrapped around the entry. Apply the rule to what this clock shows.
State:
{"hour": 6, "minute": 23, "second": 41}
